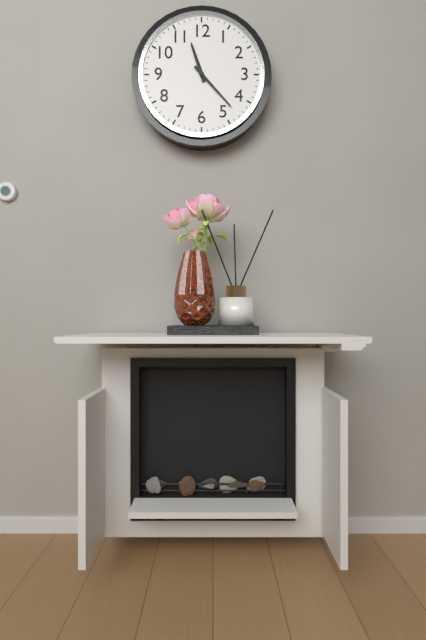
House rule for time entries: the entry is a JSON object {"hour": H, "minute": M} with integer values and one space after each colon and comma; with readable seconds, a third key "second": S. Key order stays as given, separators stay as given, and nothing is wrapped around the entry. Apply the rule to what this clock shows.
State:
{"hour": 11, "minute": 23}
